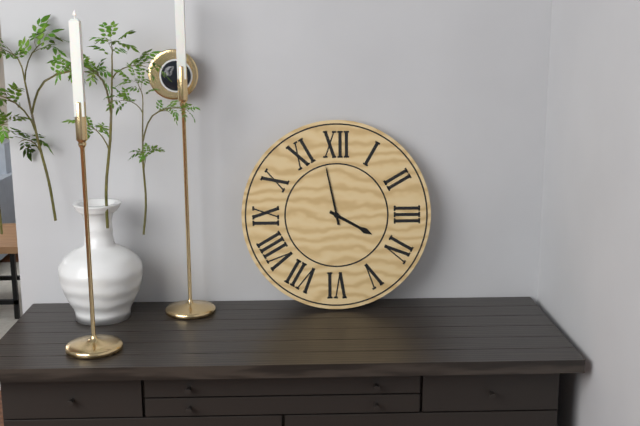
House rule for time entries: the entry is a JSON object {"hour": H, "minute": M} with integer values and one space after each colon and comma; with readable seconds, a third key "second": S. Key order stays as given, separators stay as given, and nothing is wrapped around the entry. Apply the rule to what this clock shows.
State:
{"hour": 3, "minute": 58}
